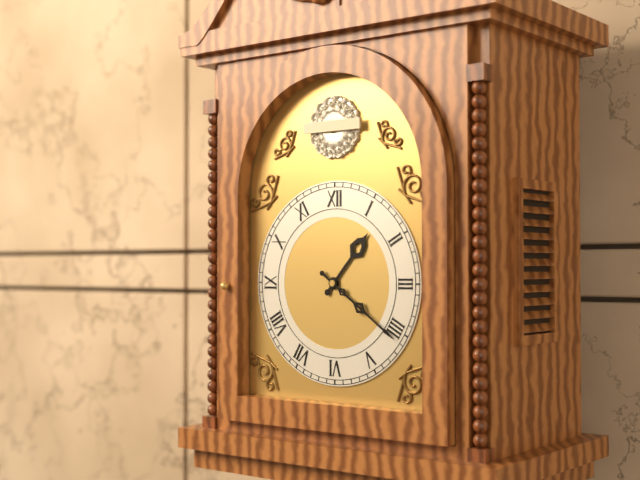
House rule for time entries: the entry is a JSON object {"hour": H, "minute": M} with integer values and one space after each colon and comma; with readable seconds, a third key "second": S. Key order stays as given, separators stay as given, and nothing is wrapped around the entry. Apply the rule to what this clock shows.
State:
{"hour": 1, "minute": 21}
